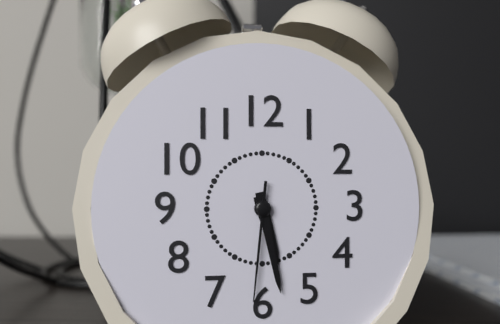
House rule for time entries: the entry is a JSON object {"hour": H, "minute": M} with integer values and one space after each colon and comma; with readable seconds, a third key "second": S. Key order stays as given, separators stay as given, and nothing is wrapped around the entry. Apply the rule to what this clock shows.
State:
{"hour": 5, "minute": 28, "second": 31}
